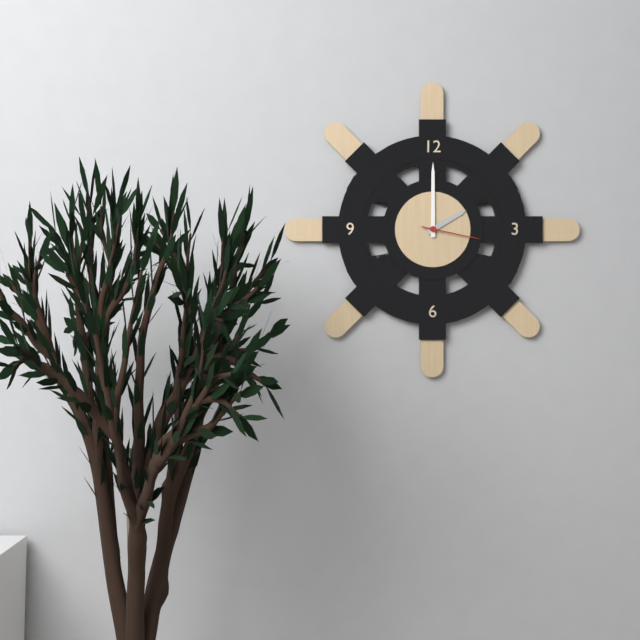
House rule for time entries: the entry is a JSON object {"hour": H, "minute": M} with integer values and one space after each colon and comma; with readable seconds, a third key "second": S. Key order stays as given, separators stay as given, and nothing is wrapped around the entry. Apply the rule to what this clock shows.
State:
{"hour": 2, "minute": 0, "second": 17}
